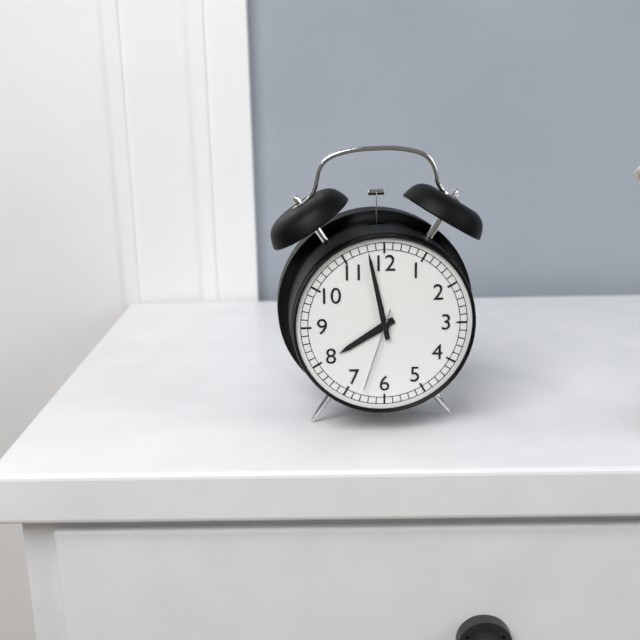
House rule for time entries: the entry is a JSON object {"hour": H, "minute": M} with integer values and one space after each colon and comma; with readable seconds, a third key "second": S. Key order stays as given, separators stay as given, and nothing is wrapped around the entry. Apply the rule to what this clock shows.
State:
{"hour": 7, "minute": 58, "second": 33}
